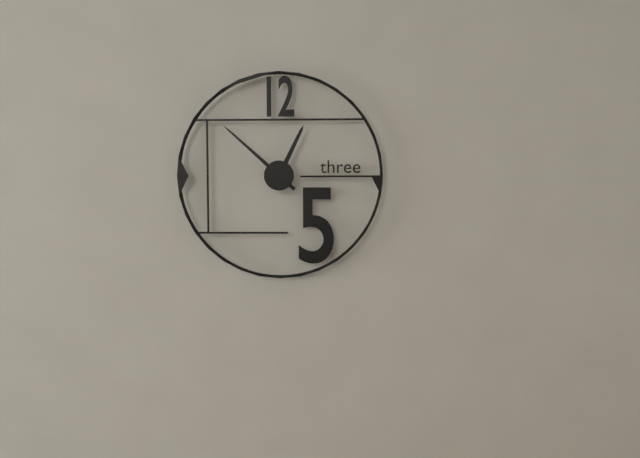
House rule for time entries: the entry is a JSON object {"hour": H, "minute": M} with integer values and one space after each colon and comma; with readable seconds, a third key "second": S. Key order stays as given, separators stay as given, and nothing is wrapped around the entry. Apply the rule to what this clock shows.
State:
{"hour": 12, "minute": 52}
